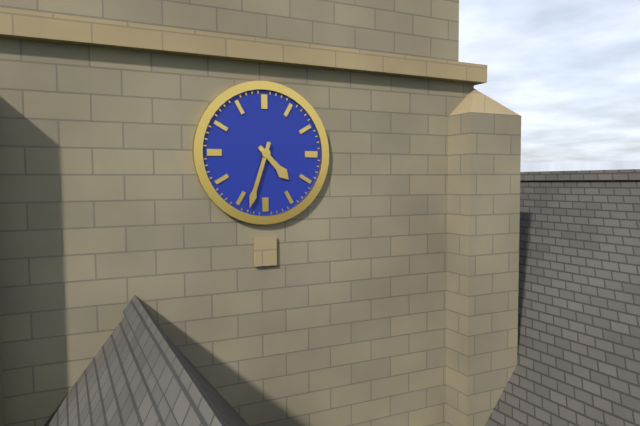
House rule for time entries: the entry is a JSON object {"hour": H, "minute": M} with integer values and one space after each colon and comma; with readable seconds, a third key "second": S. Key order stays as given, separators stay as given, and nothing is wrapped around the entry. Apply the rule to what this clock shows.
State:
{"hour": 4, "minute": 33}
